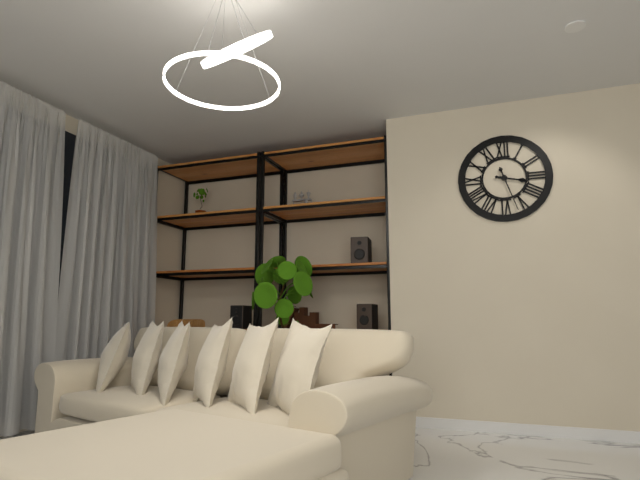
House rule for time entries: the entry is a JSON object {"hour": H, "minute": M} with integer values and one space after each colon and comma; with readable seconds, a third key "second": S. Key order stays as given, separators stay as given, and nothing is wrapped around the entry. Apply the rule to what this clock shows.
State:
{"hour": 3, "minute": 27}
